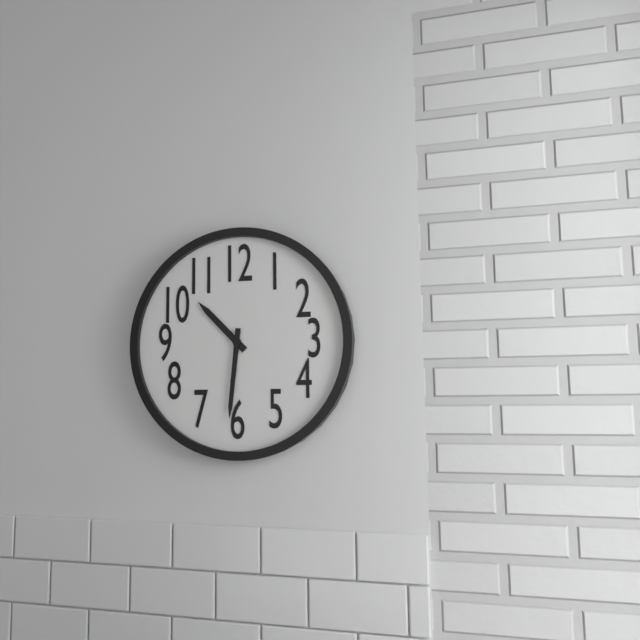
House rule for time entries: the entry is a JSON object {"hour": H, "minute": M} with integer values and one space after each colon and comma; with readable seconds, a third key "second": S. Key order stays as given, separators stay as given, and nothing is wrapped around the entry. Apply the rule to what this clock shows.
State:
{"hour": 10, "minute": 31}
